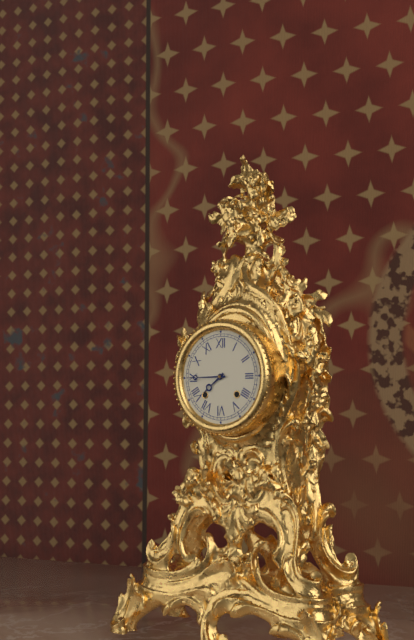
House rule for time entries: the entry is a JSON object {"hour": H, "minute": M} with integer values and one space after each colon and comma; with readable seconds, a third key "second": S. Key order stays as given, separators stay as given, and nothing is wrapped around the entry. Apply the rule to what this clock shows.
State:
{"hour": 7, "minute": 45}
